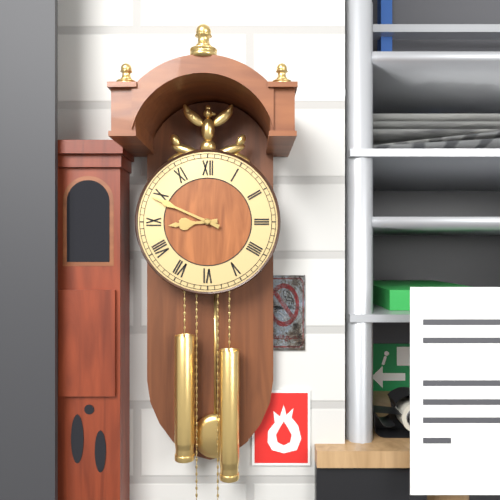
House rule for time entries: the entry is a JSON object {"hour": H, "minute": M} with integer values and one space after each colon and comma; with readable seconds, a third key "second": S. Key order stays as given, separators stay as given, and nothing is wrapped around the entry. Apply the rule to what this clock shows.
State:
{"hour": 8, "minute": 49}
